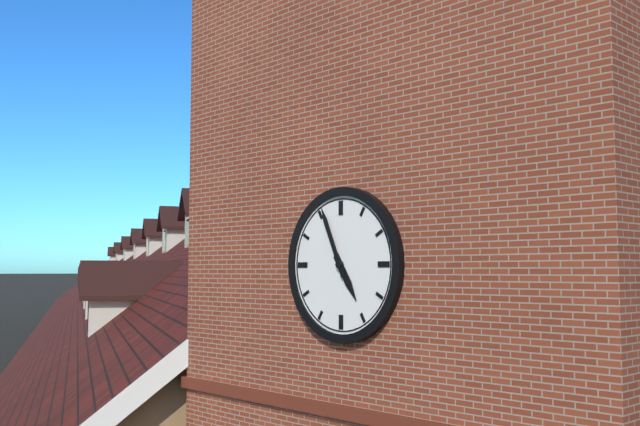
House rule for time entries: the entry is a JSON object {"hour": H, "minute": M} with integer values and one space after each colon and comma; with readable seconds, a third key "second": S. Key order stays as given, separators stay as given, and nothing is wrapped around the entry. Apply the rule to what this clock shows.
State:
{"hour": 4, "minute": 56}
